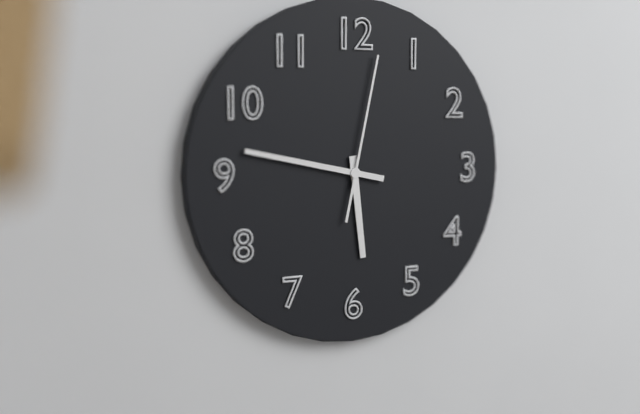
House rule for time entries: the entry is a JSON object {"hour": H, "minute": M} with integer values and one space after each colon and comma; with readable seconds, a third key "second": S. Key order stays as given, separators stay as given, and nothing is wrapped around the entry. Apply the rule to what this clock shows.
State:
{"hour": 5, "minute": 47, "second": 2}
